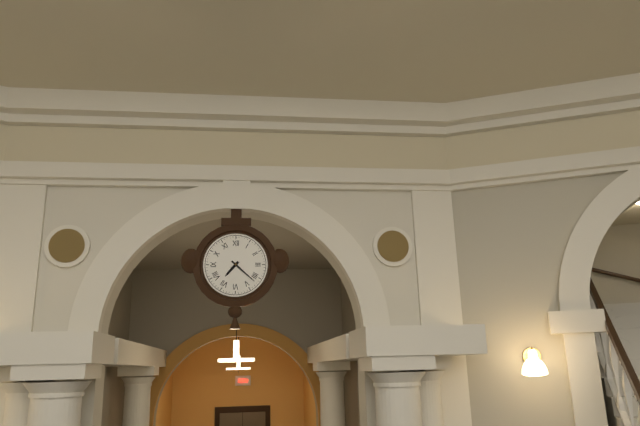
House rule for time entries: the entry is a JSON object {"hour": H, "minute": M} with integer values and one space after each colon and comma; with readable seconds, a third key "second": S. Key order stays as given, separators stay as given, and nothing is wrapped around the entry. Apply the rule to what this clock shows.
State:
{"hour": 7, "minute": 22}
